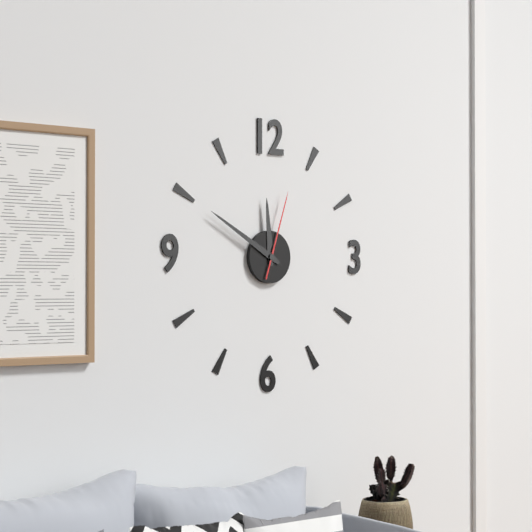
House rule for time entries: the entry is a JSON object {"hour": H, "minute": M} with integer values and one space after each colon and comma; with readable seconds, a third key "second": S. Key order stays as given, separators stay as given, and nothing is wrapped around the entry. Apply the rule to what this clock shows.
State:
{"hour": 11, "minute": 50, "second": 3}
